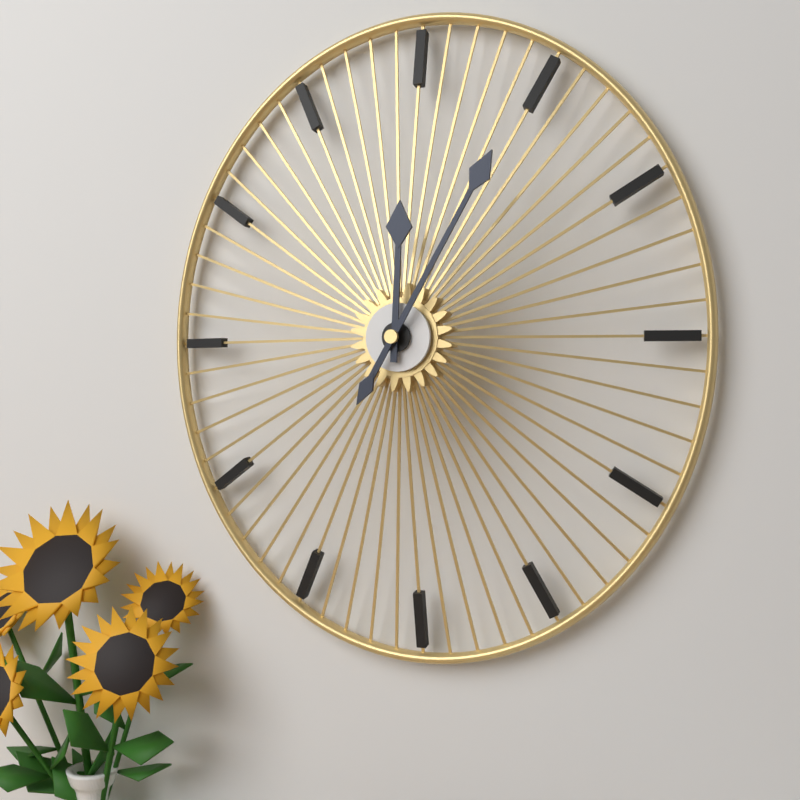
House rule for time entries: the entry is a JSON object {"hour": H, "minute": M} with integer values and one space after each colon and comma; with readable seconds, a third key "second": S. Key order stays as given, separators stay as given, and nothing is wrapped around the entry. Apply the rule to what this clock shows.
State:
{"hour": 12, "minute": 5}
